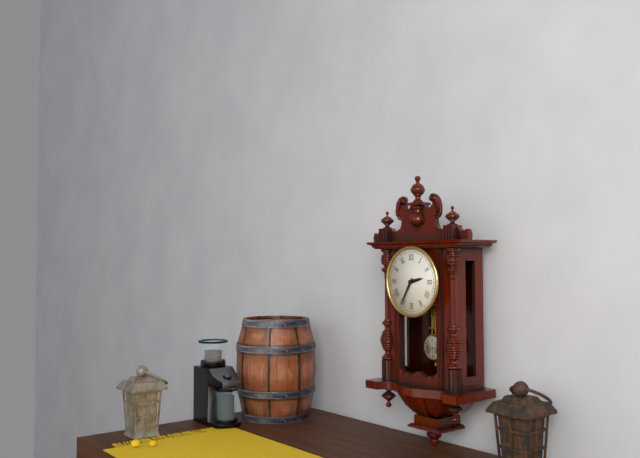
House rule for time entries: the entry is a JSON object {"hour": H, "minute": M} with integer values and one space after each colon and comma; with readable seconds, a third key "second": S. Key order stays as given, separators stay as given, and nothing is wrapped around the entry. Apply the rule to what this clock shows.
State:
{"hour": 2, "minute": 35}
